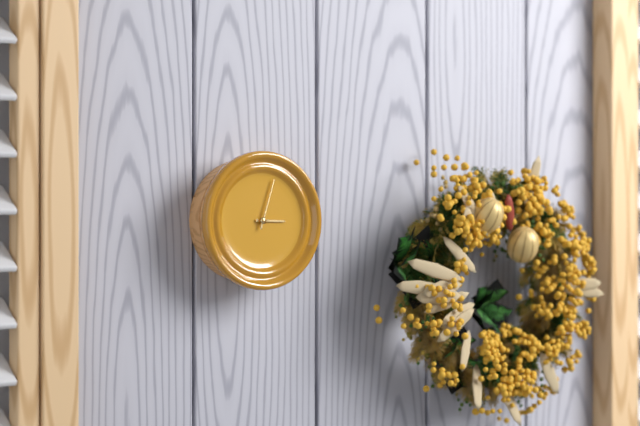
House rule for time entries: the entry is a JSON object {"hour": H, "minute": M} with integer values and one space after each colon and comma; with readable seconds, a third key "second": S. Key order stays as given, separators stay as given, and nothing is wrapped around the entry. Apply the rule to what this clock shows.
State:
{"hour": 3, "minute": 3}
